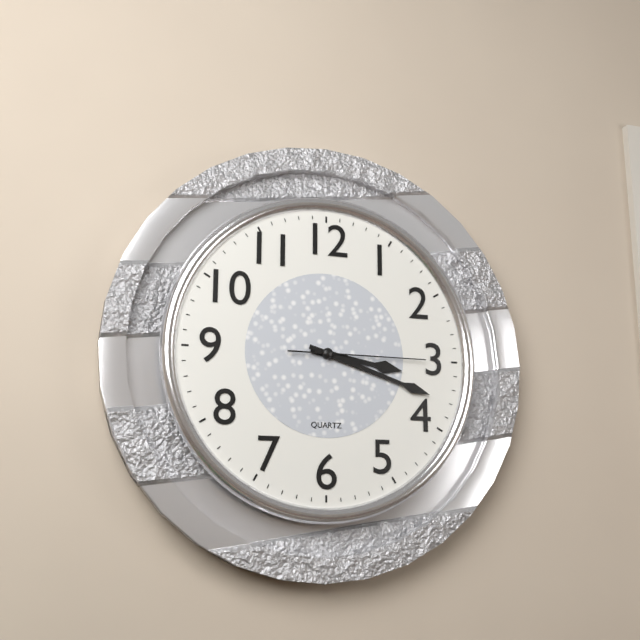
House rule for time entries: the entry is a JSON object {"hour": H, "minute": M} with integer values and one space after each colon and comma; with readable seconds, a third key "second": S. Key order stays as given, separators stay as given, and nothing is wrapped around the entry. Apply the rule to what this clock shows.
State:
{"hour": 3, "minute": 18, "second": 15}
